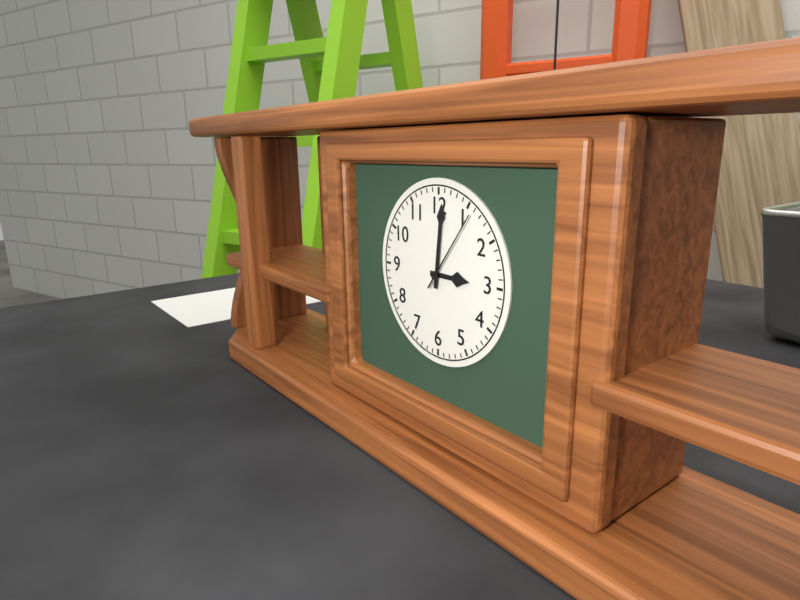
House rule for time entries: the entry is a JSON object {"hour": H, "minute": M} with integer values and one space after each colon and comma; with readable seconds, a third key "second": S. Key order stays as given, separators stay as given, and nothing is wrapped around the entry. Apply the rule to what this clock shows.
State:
{"hour": 3, "minute": 1, "second": 6}
